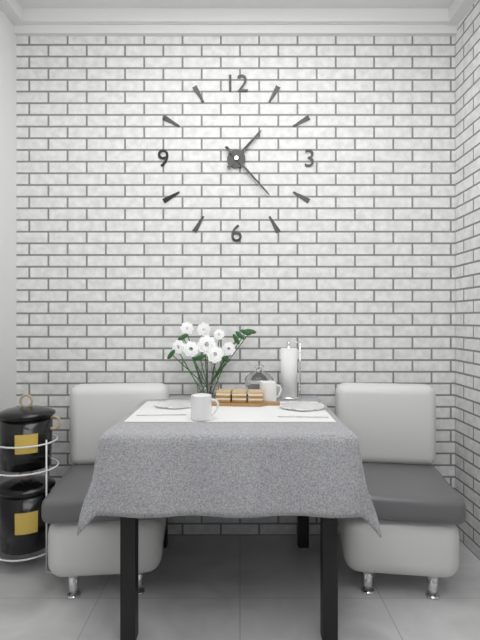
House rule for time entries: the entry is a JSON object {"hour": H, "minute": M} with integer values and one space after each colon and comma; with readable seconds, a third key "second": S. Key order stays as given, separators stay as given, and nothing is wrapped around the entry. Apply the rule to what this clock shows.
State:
{"hour": 1, "minute": 23}
